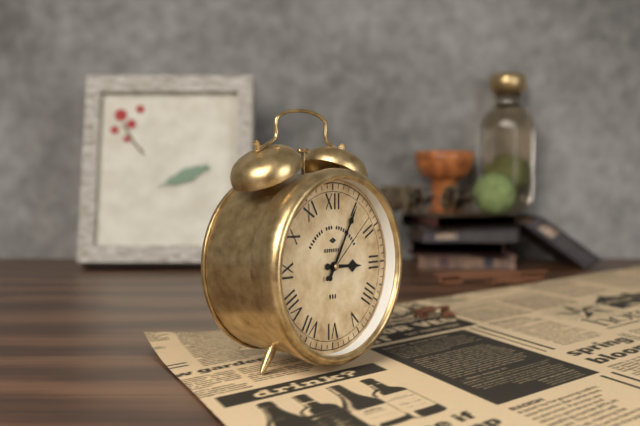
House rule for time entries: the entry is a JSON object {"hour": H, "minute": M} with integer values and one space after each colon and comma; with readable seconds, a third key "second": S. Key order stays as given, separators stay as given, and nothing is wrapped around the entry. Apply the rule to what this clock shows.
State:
{"hour": 3, "minute": 5, "second": 8}
